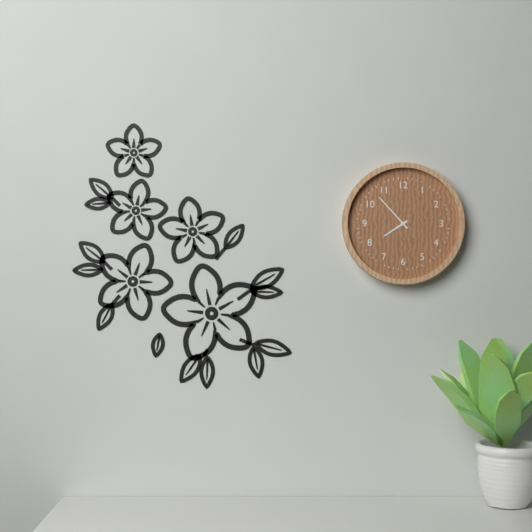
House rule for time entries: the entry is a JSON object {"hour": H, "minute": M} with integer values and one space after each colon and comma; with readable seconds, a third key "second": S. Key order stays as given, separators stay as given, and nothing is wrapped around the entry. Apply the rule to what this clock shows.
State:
{"hour": 7, "minute": 53}
